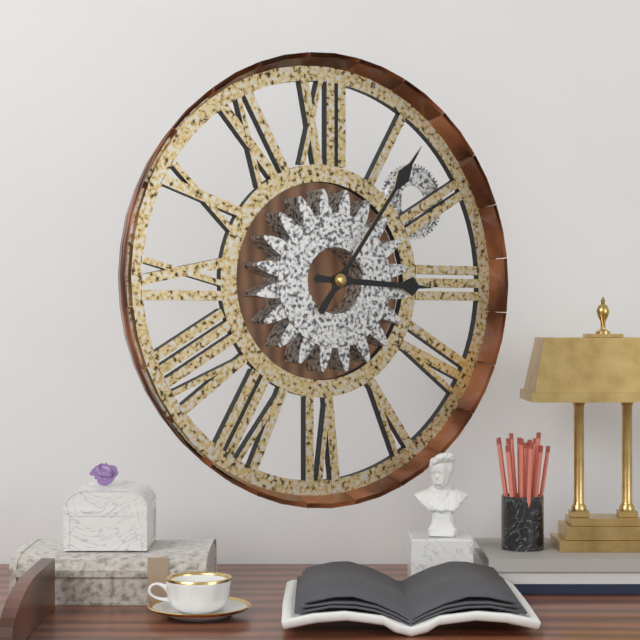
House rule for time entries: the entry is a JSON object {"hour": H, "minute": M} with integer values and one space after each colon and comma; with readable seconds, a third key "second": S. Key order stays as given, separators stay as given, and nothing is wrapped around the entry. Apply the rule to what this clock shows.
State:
{"hour": 3, "minute": 6}
